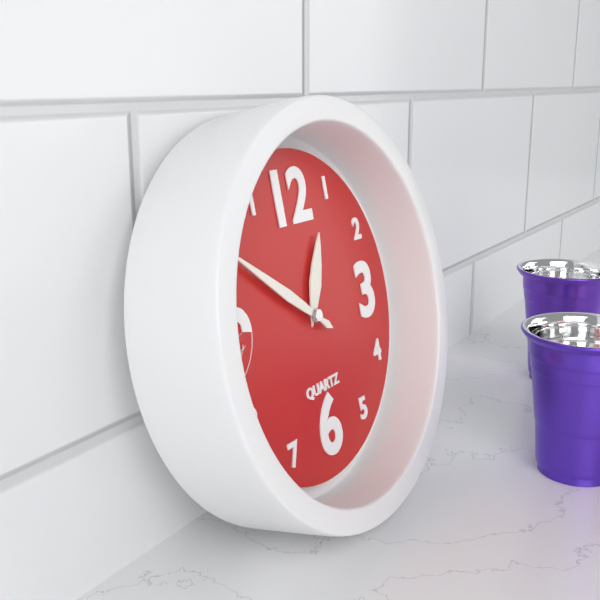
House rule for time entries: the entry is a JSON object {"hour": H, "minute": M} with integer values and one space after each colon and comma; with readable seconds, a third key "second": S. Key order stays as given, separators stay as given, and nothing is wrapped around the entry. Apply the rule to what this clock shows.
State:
{"hour": 12, "minute": 51}
